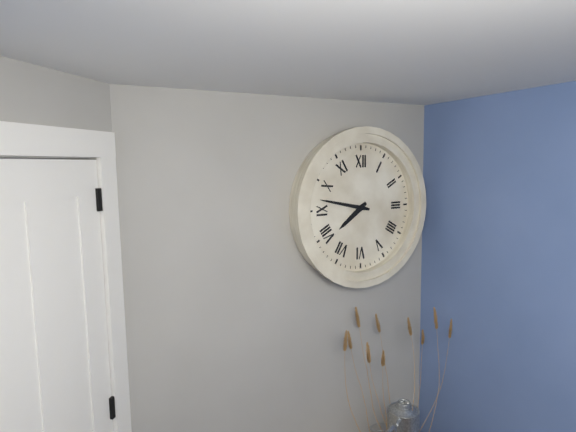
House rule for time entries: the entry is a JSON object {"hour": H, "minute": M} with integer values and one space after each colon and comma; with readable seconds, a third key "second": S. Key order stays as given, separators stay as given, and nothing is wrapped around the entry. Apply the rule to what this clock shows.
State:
{"hour": 7, "minute": 47}
